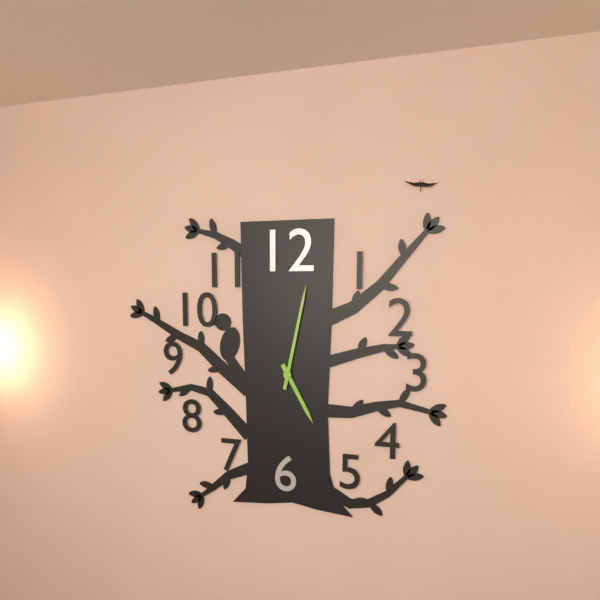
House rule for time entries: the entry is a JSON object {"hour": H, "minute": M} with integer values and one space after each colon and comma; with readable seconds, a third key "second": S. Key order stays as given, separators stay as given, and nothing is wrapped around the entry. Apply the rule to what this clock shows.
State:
{"hour": 5, "minute": 2}
